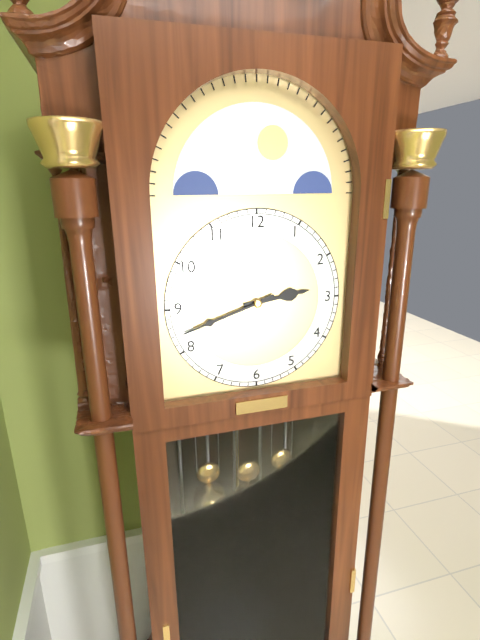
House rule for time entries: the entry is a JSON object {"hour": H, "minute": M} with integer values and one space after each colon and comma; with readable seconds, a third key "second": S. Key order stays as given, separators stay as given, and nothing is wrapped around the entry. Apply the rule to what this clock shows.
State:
{"hour": 2, "minute": 42}
